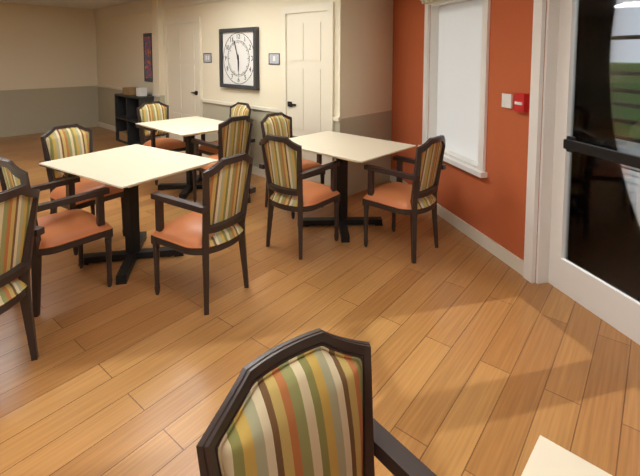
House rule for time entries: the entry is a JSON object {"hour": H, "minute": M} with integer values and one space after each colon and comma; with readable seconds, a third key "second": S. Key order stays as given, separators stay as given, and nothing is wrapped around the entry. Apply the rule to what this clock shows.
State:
{"hour": 5, "minute": 57}
